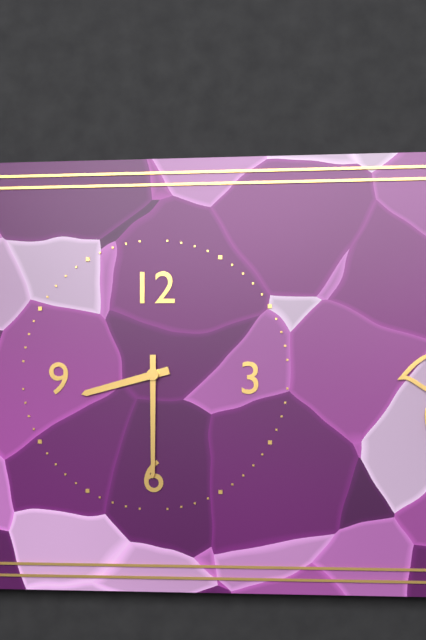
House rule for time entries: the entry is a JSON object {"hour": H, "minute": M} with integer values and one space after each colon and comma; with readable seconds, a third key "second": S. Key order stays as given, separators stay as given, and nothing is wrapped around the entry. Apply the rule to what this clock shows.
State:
{"hour": 8, "minute": 30}
